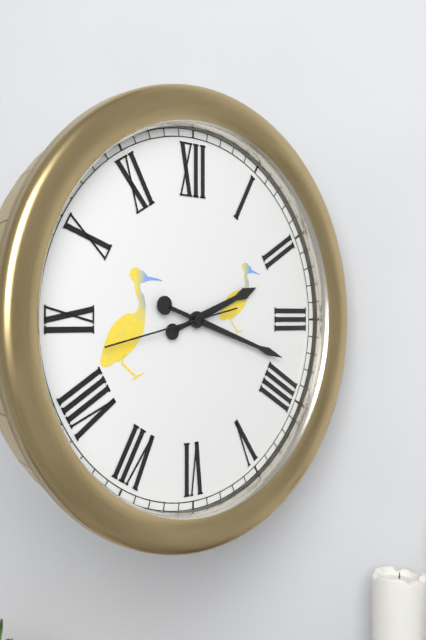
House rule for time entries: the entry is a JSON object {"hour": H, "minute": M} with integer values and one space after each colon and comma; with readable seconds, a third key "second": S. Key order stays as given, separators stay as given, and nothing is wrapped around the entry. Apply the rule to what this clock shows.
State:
{"hour": 2, "minute": 18, "second": 43}
